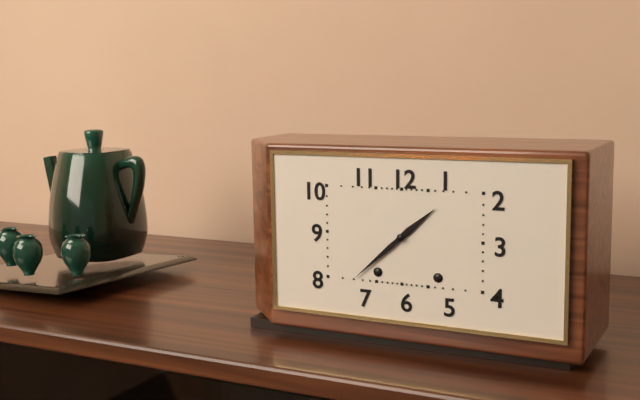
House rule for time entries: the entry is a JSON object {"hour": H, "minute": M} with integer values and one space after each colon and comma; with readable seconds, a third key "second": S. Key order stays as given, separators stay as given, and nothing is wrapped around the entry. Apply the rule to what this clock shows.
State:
{"hour": 1, "minute": 38}
